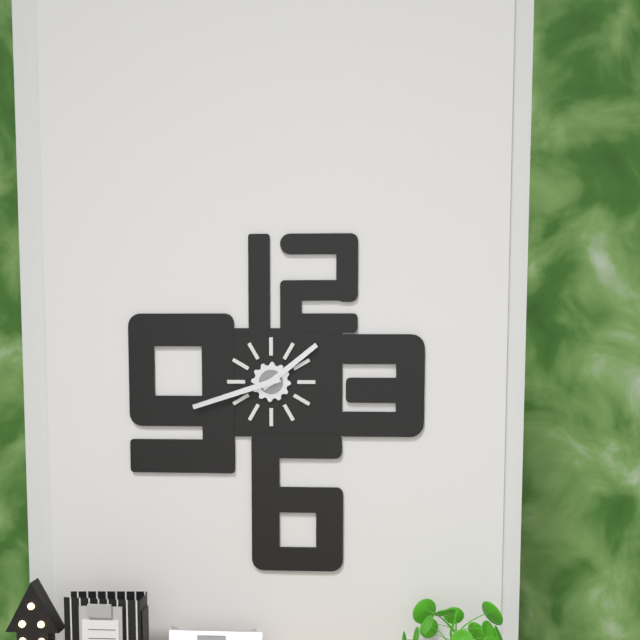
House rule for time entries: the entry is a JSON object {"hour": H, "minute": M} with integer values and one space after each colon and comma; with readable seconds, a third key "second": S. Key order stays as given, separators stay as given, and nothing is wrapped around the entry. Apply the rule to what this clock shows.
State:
{"hour": 1, "minute": 42}
